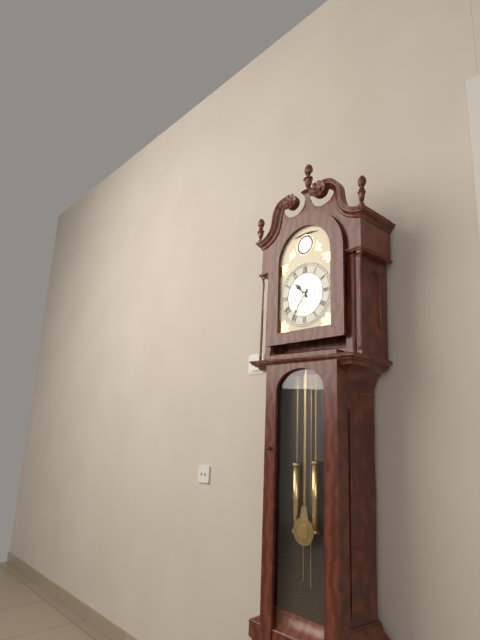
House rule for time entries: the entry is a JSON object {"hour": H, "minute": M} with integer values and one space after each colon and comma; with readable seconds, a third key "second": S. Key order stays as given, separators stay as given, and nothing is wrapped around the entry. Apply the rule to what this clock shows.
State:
{"hour": 10, "minute": 36}
